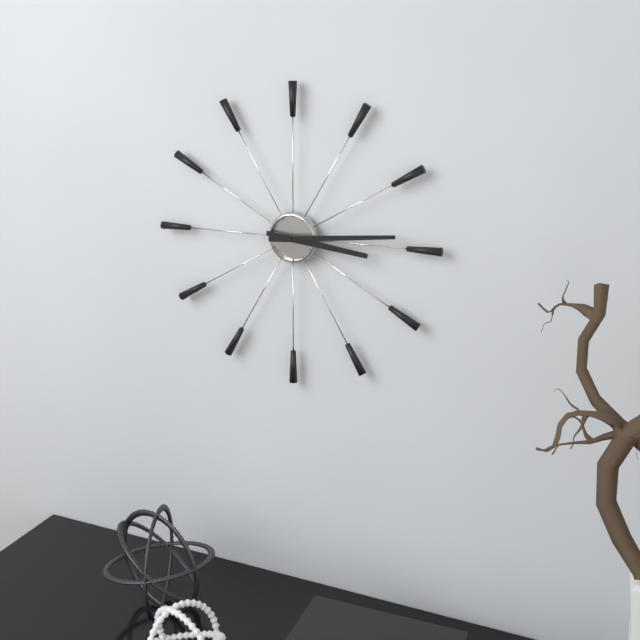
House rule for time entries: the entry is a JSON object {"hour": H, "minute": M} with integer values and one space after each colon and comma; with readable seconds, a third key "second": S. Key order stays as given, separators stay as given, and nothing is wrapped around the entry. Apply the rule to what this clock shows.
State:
{"hour": 3, "minute": 14}
